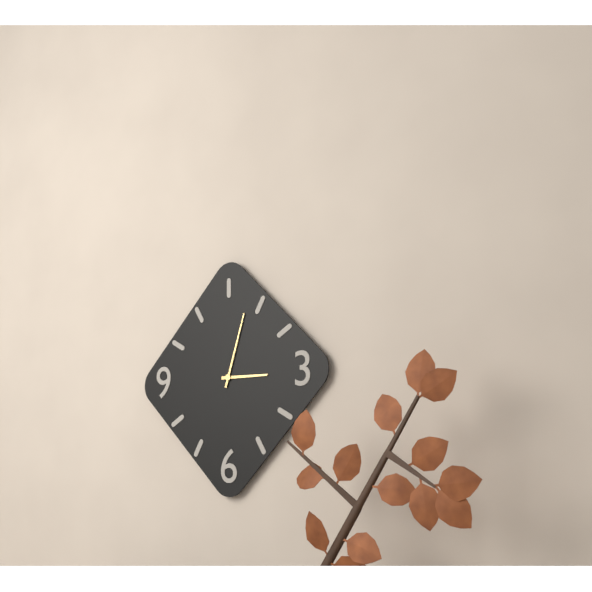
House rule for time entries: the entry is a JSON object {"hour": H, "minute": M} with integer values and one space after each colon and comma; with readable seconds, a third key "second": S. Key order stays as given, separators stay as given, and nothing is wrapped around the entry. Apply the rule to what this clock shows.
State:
{"hour": 3, "minute": 3}
